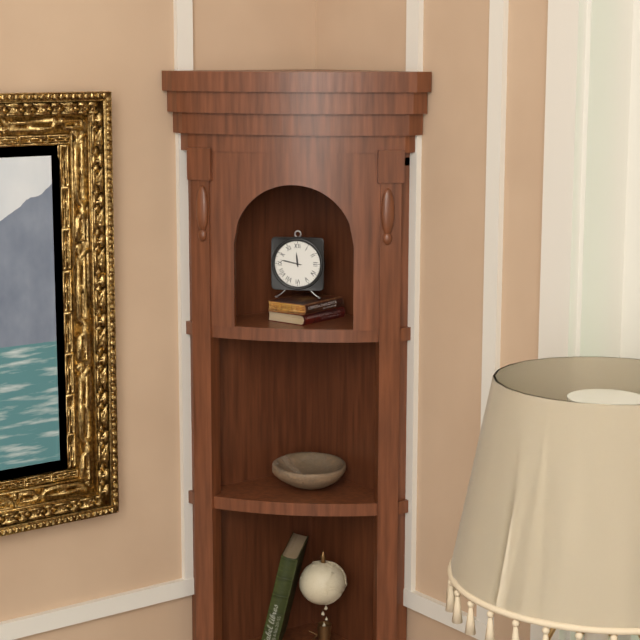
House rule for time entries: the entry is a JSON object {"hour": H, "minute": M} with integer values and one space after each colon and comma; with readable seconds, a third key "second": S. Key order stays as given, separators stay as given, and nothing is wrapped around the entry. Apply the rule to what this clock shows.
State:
{"hour": 11, "minute": 47}
